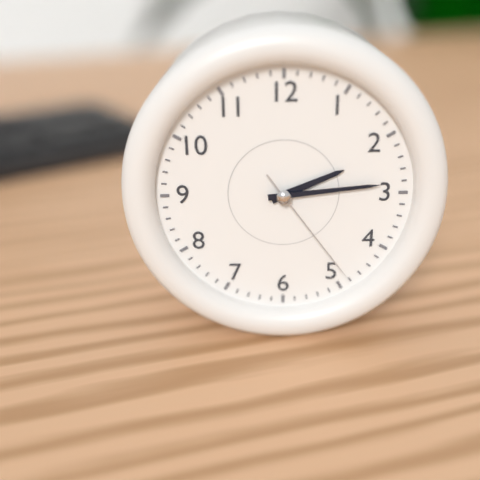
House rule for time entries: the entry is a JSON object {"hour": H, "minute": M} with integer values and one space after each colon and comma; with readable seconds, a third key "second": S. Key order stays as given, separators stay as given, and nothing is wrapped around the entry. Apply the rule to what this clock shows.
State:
{"hour": 2, "minute": 14, "second": 24}
